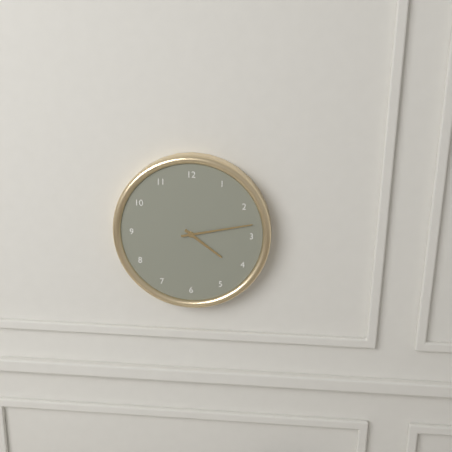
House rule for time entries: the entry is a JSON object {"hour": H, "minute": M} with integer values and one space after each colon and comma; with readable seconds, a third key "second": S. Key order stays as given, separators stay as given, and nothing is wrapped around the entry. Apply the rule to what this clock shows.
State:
{"hour": 4, "minute": 13}
